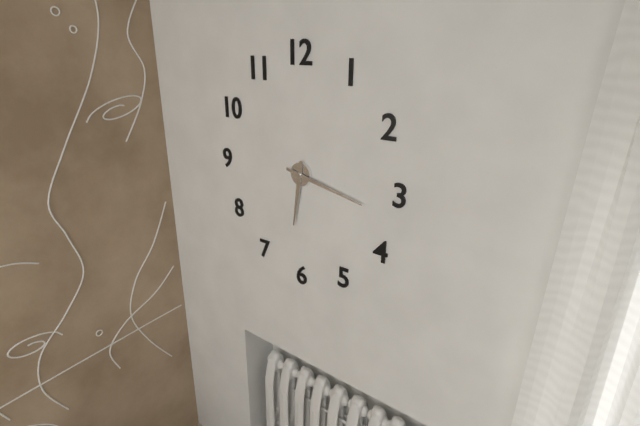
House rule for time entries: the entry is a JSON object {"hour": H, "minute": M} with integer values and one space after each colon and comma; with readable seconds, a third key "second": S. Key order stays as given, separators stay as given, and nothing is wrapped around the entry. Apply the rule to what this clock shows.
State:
{"hour": 6, "minute": 17}
